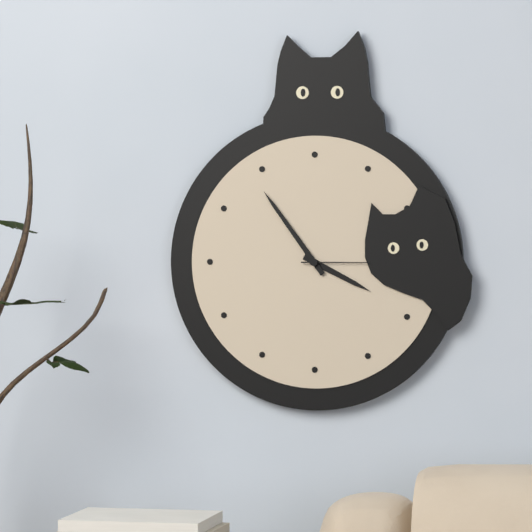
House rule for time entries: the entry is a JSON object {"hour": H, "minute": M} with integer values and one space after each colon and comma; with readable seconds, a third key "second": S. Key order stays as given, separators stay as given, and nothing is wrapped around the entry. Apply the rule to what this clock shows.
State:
{"hour": 3, "minute": 54, "second": 15}
